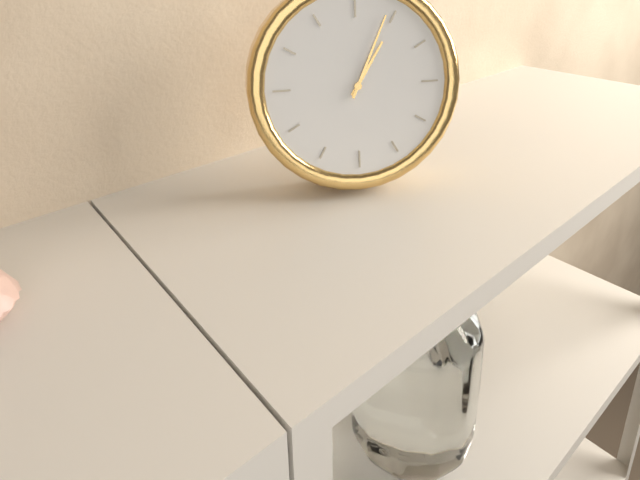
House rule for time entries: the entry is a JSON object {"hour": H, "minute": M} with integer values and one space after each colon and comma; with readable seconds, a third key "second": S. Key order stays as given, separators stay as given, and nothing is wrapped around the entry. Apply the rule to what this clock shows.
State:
{"hour": 1, "minute": 4}
